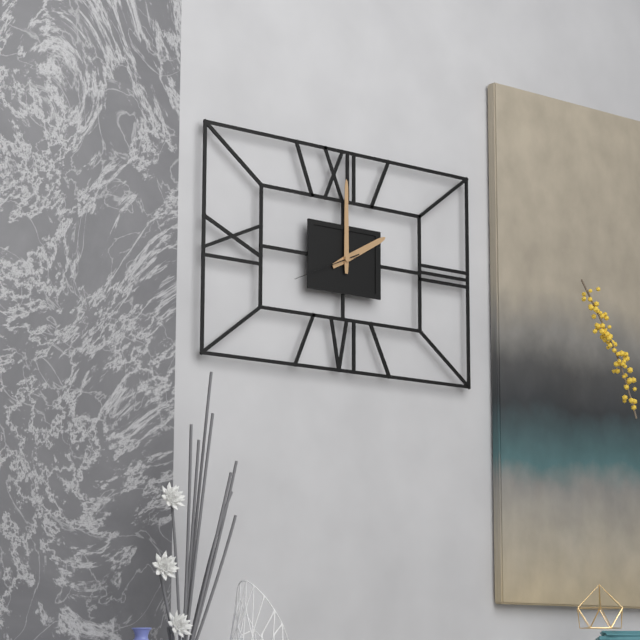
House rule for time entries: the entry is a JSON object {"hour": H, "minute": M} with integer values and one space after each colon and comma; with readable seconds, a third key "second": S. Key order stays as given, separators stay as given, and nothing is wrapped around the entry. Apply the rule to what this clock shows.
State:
{"hour": 2, "minute": 0, "second": 41}
